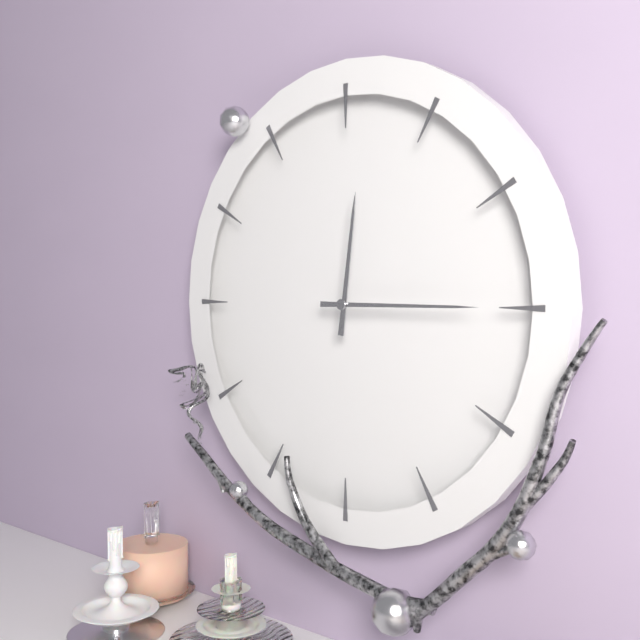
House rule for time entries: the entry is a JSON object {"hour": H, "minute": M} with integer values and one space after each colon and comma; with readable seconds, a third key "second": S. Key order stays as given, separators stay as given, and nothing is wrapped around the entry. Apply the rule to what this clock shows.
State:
{"hour": 12, "minute": 15}
